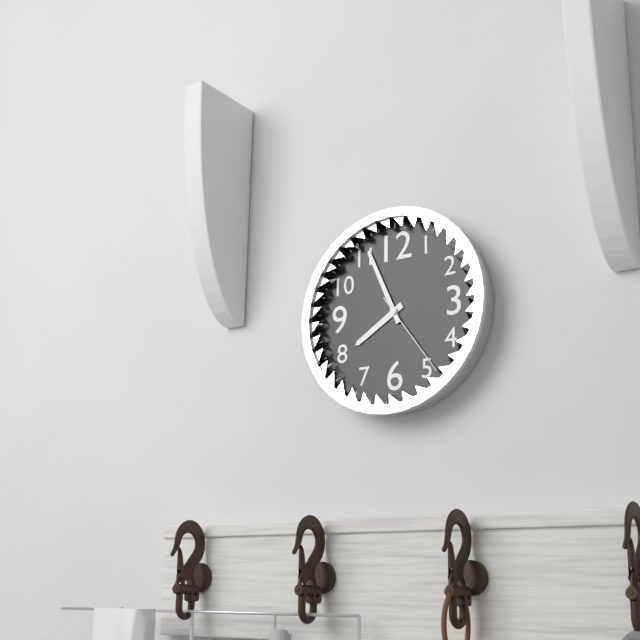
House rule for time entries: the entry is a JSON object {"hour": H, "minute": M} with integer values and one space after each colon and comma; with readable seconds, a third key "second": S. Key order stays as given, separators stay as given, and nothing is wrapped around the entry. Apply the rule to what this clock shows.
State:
{"hour": 7, "minute": 56, "second": 24}
